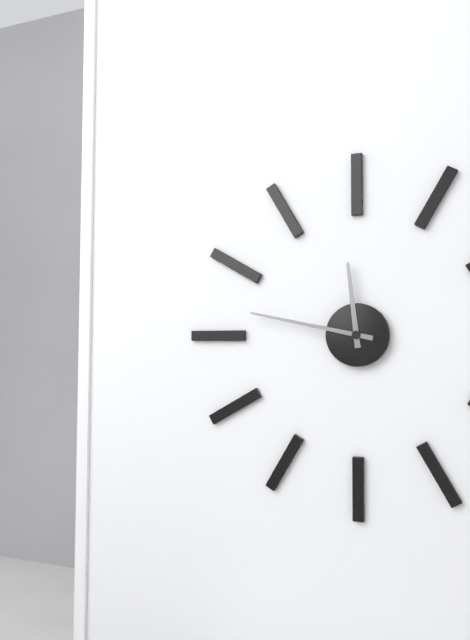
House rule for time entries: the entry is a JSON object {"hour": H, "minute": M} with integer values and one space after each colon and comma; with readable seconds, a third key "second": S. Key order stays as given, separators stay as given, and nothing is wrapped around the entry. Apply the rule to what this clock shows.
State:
{"hour": 11, "minute": 47}
